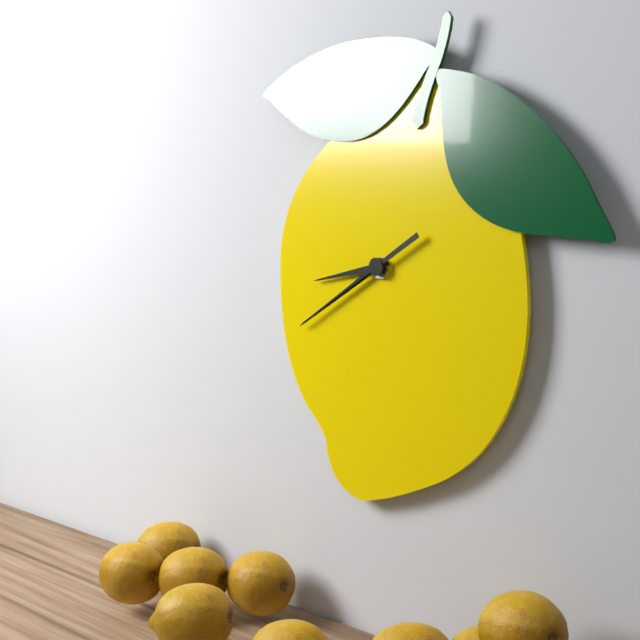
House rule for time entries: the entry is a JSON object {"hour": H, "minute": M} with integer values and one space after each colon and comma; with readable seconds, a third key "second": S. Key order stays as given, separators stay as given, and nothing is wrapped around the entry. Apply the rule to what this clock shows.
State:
{"hour": 8, "minute": 40, "second": 40}
